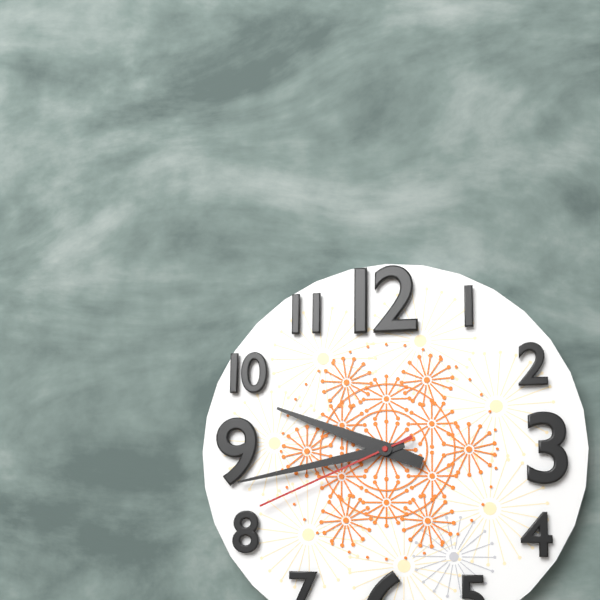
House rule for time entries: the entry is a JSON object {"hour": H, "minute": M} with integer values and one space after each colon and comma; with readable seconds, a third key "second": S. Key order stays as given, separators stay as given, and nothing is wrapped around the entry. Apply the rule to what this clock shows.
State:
{"hour": 9, "minute": 43, "second": 41}
